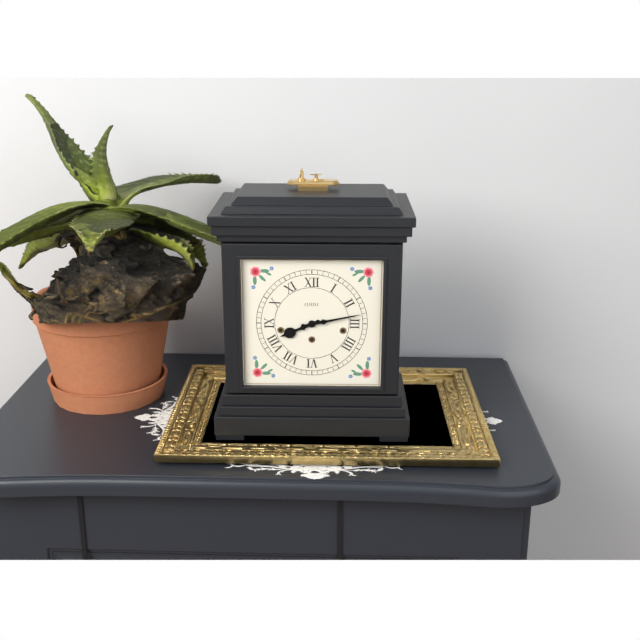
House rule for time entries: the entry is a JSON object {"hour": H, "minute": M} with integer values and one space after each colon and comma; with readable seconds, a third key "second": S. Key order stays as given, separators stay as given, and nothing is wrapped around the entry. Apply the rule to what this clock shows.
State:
{"hour": 8, "minute": 13}
